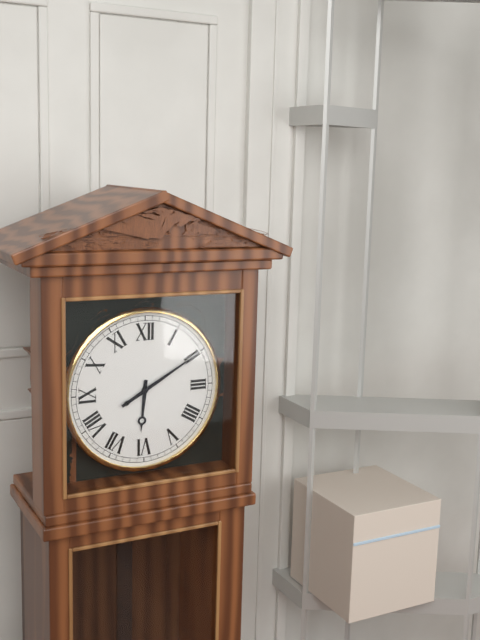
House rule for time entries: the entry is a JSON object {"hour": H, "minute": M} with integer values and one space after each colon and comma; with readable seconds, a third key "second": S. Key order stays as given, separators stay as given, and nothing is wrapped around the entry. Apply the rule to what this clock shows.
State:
{"hour": 6, "minute": 10}
